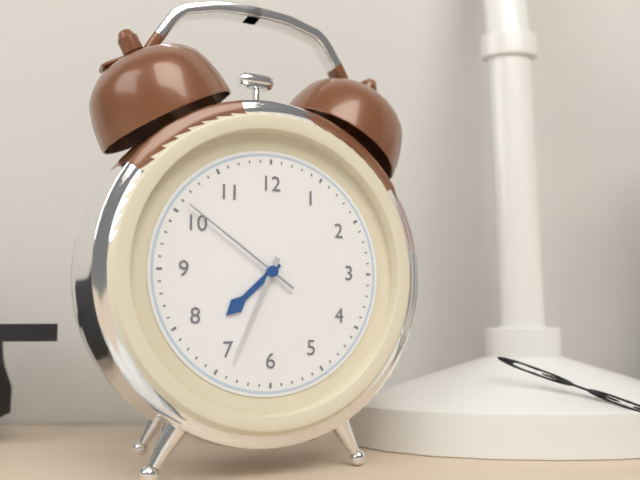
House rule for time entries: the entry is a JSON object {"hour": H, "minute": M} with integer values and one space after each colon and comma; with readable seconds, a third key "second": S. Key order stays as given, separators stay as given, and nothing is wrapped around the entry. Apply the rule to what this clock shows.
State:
{"hour": 7, "minute": 34, "second": 51}
